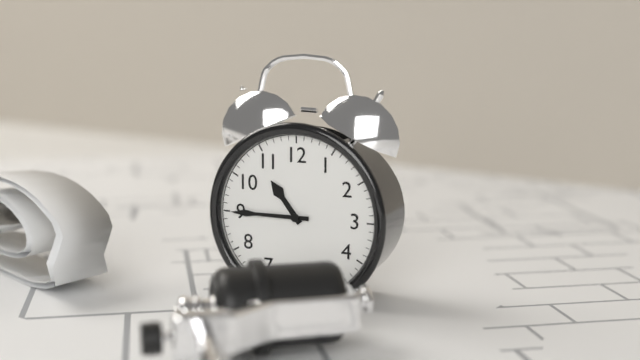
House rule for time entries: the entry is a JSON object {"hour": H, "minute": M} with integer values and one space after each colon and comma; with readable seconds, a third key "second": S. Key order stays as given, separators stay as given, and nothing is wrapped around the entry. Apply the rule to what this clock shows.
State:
{"hour": 10, "minute": 45}
